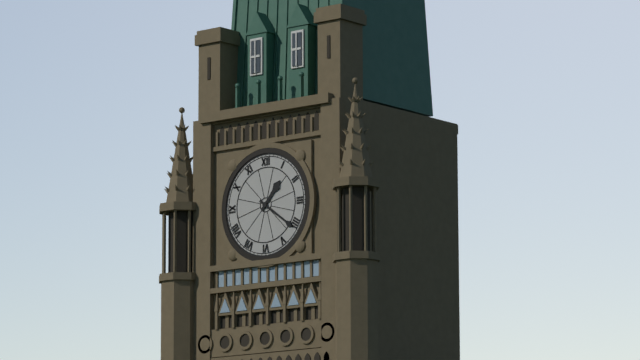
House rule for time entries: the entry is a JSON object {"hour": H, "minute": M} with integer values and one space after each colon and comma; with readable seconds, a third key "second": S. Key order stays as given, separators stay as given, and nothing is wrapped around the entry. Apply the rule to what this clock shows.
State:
{"hour": 1, "minute": 21}
